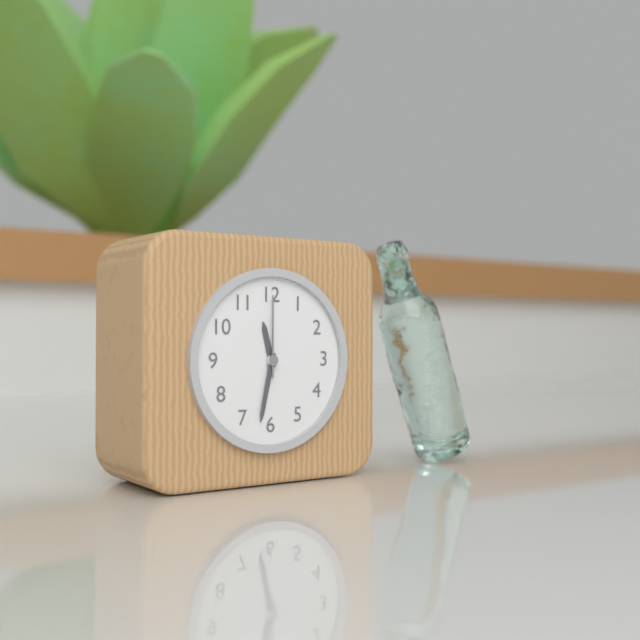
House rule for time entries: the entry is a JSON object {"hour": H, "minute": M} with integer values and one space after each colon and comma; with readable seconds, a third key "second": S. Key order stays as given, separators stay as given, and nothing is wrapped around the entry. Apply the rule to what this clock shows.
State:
{"hour": 11, "minute": 32, "second": 0}
